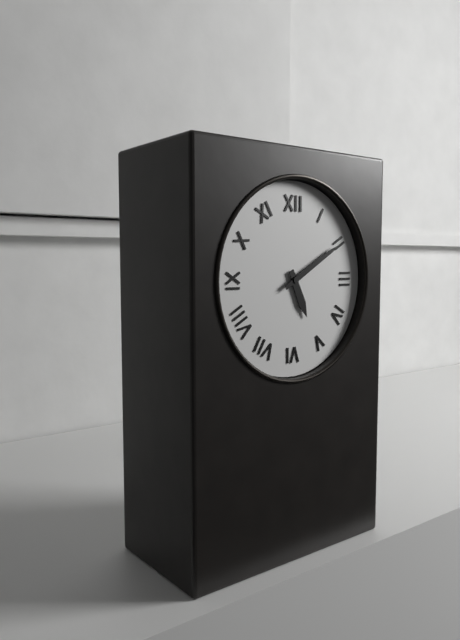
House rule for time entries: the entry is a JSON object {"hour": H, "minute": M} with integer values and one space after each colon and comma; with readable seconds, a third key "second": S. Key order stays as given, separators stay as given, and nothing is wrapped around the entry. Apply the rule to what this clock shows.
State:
{"hour": 5, "minute": 10}
